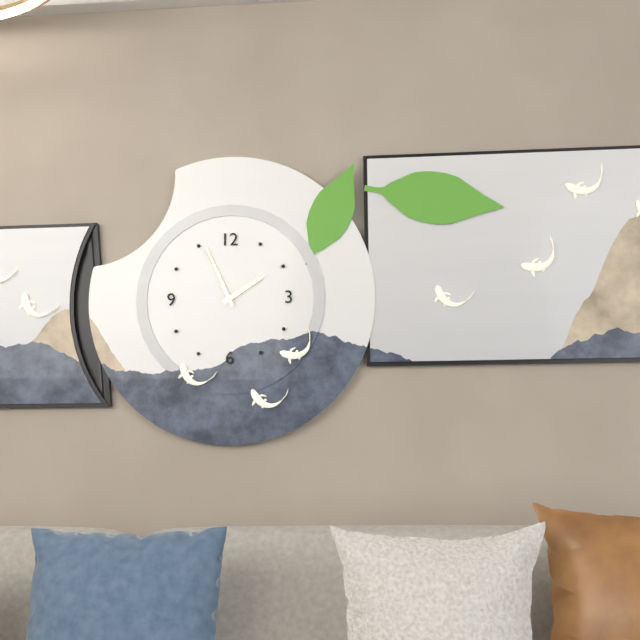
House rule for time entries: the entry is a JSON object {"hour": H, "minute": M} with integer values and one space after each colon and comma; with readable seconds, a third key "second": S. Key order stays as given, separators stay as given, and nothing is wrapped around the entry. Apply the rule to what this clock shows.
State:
{"hour": 1, "minute": 56}
